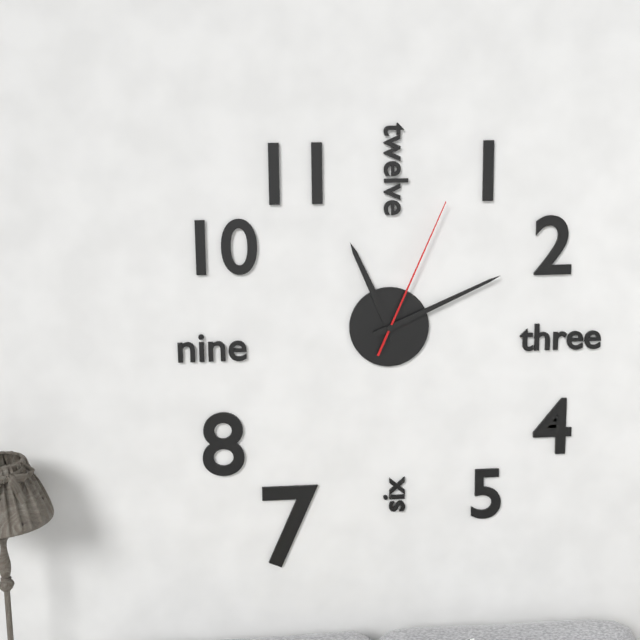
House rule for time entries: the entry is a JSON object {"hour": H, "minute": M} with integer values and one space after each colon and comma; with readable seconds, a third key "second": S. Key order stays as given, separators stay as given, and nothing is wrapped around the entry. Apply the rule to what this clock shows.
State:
{"hour": 11, "minute": 11, "second": 4}
